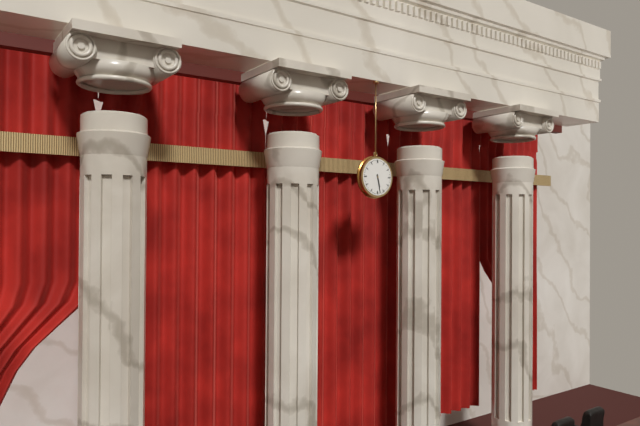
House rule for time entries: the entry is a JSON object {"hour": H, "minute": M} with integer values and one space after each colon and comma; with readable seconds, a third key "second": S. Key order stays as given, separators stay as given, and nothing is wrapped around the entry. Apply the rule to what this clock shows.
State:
{"hour": 5, "minute": 28}
